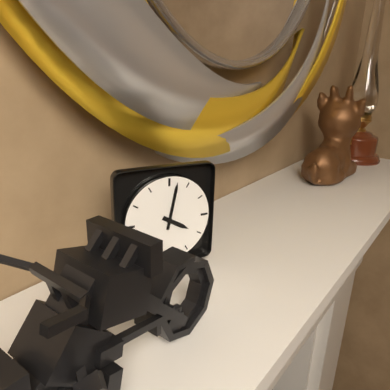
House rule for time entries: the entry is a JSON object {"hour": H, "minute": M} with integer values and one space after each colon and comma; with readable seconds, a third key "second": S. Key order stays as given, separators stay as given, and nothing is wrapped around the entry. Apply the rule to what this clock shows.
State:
{"hour": 4, "minute": 2}
